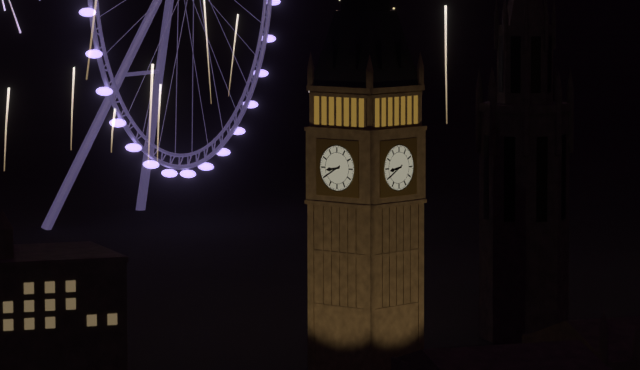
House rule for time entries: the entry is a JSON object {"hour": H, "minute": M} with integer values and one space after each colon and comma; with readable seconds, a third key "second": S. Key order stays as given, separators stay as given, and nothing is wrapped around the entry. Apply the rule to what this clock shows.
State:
{"hour": 8, "minute": 40}
